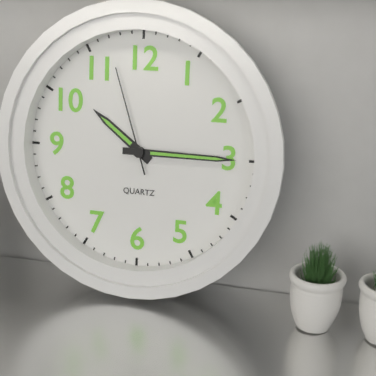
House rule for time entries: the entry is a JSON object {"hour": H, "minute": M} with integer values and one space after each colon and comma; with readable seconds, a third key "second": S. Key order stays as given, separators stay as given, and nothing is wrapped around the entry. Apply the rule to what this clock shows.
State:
{"hour": 10, "minute": 15, "second": 57}
